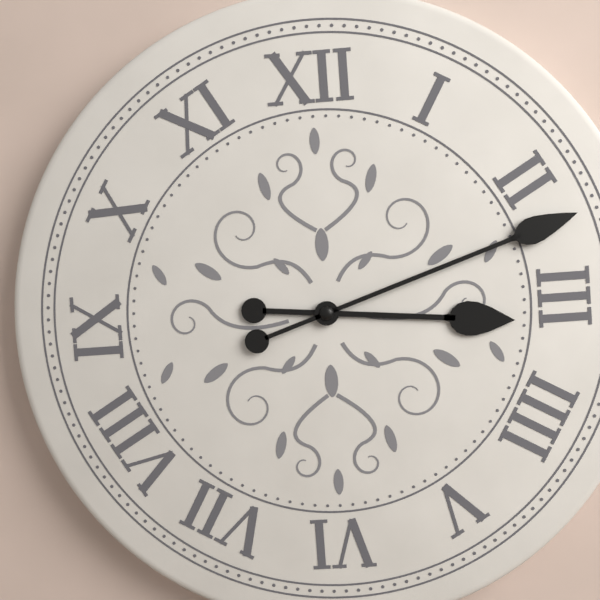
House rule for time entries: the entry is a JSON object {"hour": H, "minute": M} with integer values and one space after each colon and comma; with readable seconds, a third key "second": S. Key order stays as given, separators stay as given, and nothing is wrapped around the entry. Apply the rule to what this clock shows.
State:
{"hour": 3, "minute": 12}
